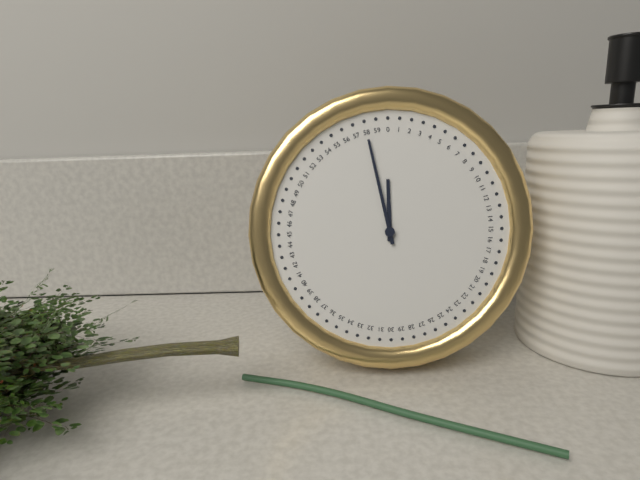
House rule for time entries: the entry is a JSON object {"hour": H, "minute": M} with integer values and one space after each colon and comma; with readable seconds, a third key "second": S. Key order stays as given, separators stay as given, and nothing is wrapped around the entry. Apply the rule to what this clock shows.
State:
{"hour": 11, "minute": 58}
